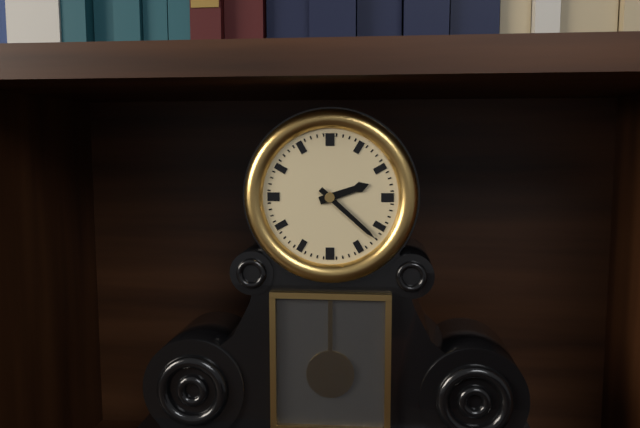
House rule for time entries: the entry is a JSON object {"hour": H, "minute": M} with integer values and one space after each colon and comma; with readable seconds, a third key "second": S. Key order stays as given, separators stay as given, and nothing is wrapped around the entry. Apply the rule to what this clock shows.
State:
{"hour": 2, "minute": 22}
